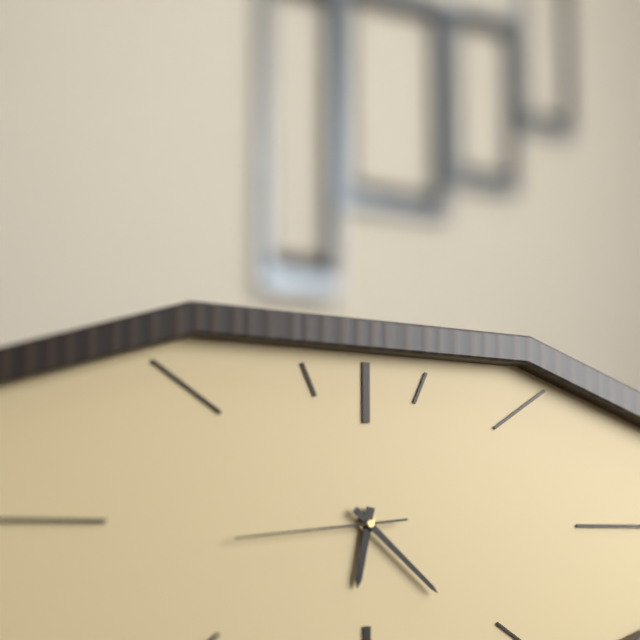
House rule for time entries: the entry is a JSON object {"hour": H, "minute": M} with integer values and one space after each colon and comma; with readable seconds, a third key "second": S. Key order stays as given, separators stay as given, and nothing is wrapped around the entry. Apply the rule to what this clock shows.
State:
{"hour": 6, "minute": 22, "second": 44}
